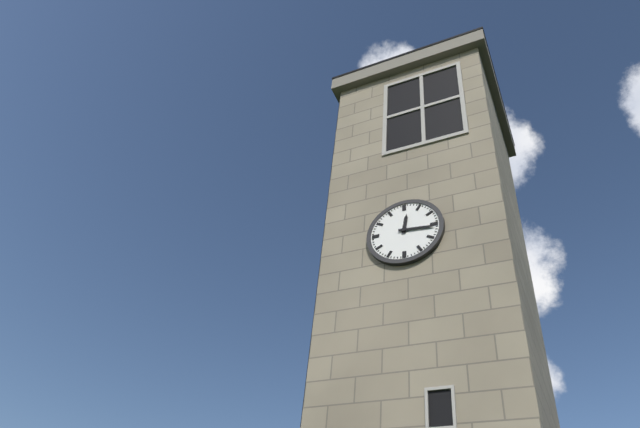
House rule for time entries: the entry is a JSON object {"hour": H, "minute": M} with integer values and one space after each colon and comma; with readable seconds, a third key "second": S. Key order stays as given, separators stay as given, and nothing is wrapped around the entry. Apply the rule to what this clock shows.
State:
{"hour": 12, "minute": 16}
